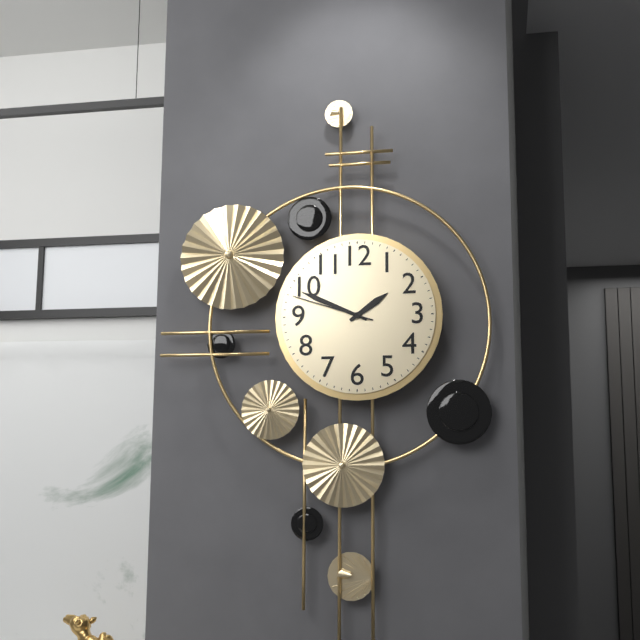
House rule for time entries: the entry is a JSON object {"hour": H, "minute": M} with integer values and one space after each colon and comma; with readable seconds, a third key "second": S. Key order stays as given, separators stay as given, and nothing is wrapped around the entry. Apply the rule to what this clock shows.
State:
{"hour": 1, "minute": 49, "second": 48}
